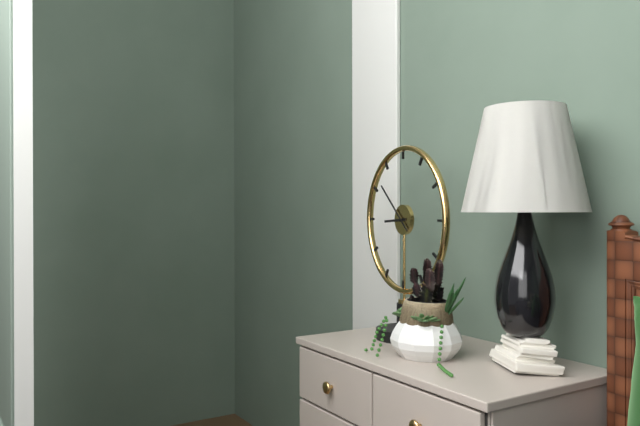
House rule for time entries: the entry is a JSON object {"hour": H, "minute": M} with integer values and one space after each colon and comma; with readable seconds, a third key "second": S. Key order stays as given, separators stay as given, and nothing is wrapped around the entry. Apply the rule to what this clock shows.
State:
{"hour": 8, "minute": 52}
